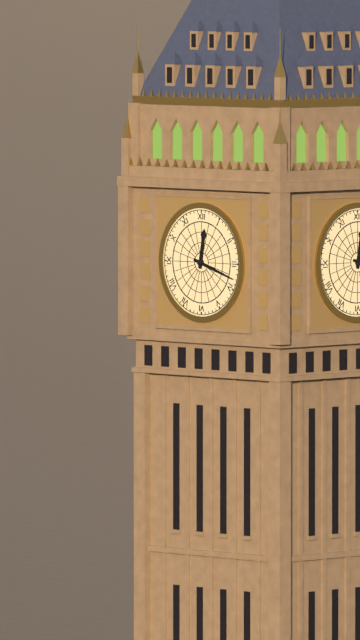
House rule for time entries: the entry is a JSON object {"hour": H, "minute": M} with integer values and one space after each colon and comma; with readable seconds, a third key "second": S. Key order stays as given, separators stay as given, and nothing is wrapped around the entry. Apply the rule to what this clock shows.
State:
{"hour": 12, "minute": 18}
